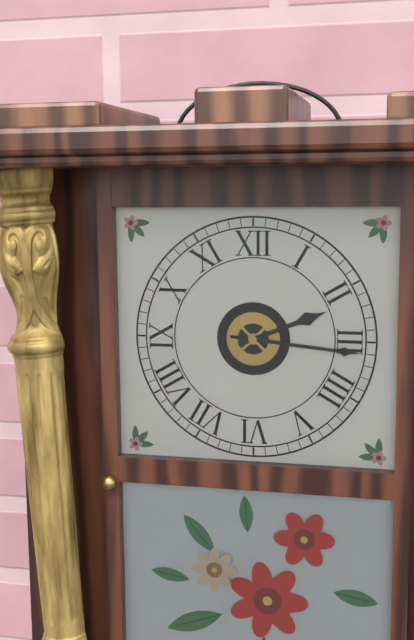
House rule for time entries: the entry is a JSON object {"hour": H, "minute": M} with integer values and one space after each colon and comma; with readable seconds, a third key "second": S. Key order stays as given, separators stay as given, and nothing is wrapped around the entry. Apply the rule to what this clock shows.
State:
{"hour": 2, "minute": 16}
